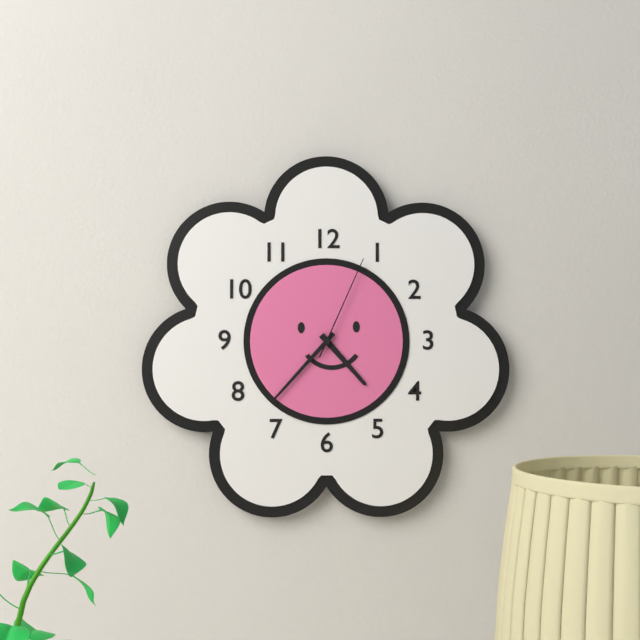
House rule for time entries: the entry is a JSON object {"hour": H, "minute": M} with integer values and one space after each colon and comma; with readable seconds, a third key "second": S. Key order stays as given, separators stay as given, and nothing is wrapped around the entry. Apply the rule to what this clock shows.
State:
{"hour": 4, "minute": 37, "second": 4}
